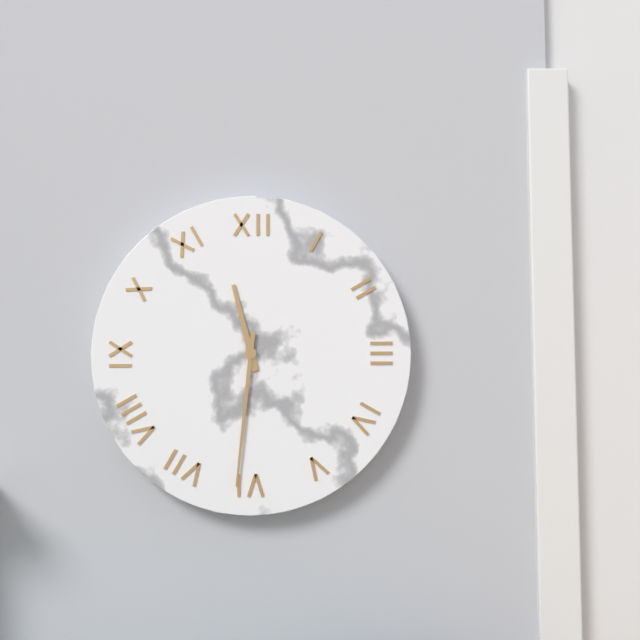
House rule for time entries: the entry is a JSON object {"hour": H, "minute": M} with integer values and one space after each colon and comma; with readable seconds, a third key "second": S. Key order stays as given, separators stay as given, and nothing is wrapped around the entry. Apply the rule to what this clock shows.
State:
{"hour": 11, "minute": 31}
